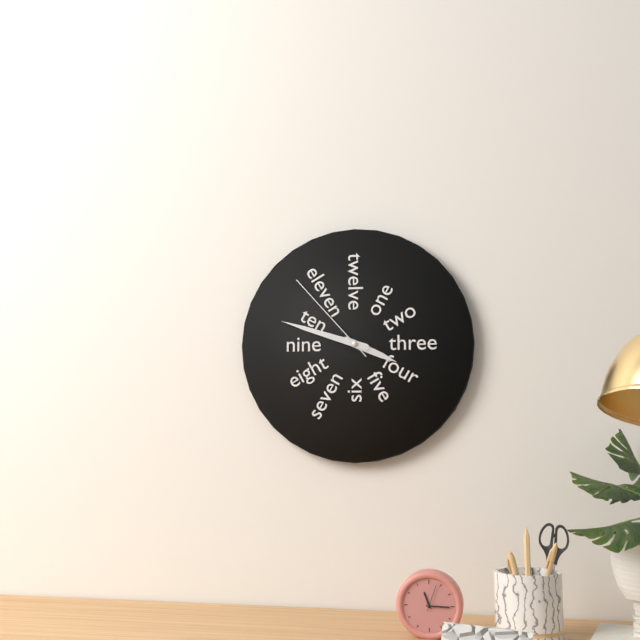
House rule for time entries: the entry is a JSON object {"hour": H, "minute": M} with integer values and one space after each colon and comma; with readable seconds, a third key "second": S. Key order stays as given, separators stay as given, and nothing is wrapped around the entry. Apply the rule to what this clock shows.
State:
{"hour": 3, "minute": 48, "second": 53}
